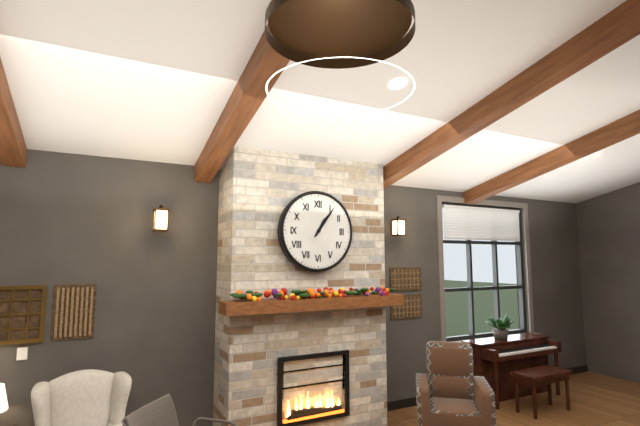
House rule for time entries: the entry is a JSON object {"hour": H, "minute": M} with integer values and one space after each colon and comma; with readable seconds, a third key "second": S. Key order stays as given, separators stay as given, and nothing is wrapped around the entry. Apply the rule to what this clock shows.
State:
{"hour": 1, "minute": 6}
